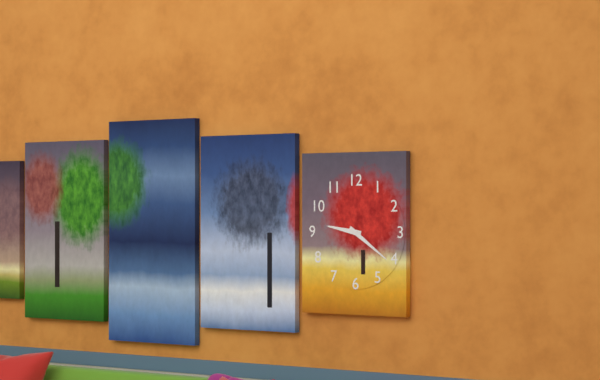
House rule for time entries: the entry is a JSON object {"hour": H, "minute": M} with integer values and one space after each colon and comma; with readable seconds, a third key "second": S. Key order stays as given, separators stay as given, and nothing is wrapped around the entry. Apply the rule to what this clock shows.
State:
{"hour": 9, "minute": 21}
